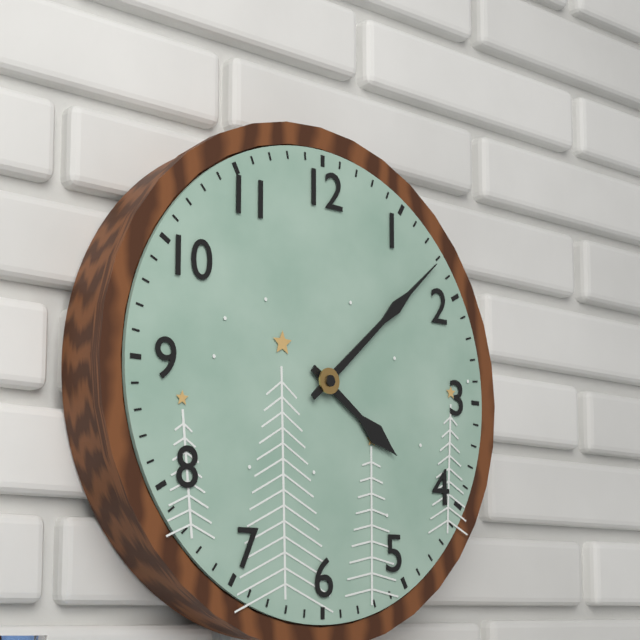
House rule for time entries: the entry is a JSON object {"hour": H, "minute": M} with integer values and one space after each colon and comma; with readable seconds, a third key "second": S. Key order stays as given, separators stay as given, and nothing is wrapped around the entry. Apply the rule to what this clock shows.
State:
{"hour": 4, "minute": 8}
